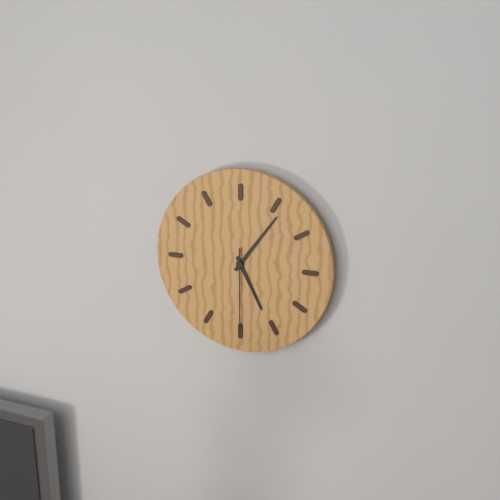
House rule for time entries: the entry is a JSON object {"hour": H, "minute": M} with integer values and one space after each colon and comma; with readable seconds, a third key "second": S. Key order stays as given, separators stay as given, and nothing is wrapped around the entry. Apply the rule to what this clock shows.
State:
{"hour": 5, "minute": 6, "second": 30}
